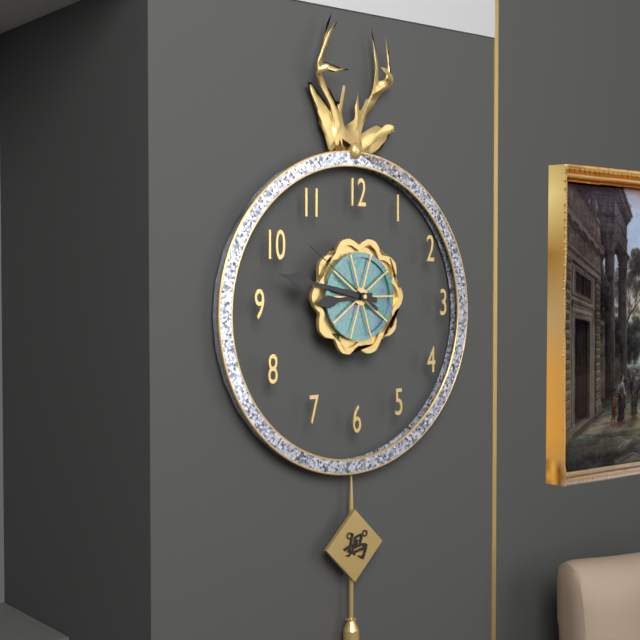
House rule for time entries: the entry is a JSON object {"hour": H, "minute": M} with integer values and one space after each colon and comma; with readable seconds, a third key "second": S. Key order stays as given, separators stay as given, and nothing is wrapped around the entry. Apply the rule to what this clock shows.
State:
{"hour": 8, "minute": 47, "second": 51}
